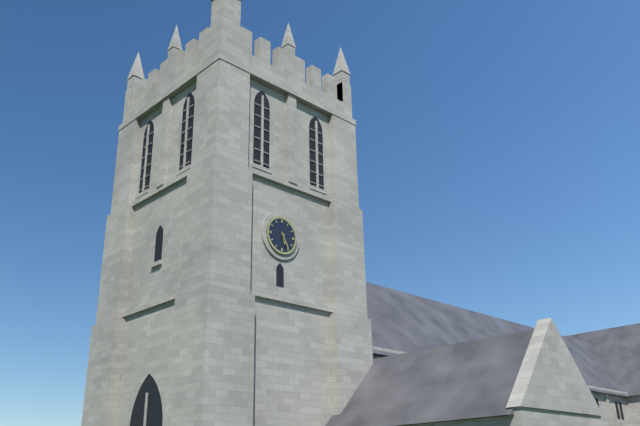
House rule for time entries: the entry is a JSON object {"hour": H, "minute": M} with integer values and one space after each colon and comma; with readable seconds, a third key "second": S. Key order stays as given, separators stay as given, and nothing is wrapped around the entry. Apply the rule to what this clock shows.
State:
{"hour": 5, "minute": 25}
